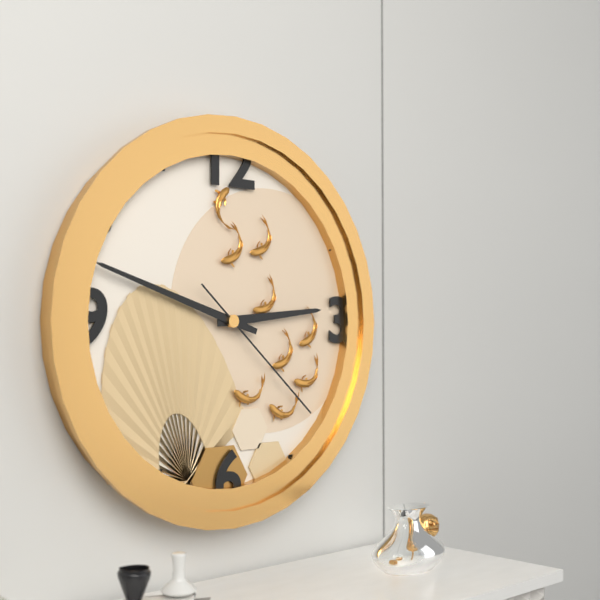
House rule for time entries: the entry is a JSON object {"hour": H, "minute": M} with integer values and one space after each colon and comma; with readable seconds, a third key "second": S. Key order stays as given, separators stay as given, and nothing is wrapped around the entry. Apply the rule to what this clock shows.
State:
{"hour": 2, "minute": 48, "second": 22}
